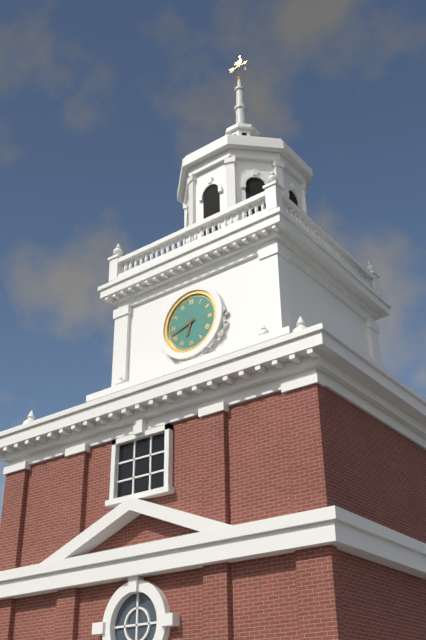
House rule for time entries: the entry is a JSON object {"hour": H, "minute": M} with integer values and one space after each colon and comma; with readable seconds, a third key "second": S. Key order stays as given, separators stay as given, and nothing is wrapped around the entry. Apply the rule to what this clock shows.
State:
{"hour": 6, "minute": 42}
